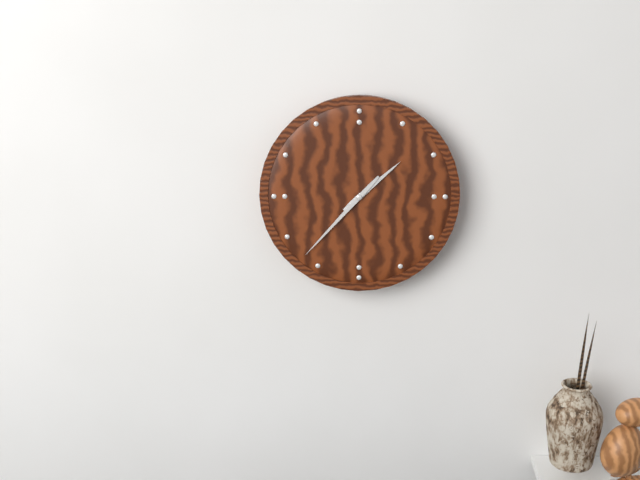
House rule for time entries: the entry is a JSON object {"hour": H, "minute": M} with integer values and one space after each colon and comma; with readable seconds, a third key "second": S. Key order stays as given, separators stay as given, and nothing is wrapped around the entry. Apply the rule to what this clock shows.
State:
{"hour": 1, "minute": 37}
